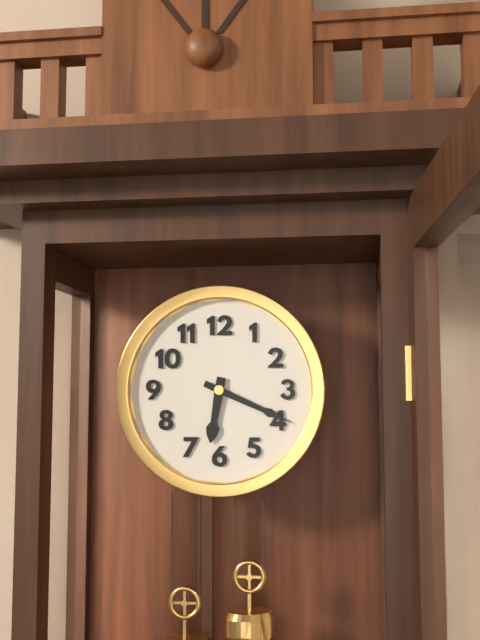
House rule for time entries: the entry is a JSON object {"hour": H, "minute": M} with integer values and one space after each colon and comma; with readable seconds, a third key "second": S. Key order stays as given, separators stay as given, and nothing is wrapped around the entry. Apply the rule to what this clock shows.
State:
{"hour": 6, "minute": 19}
